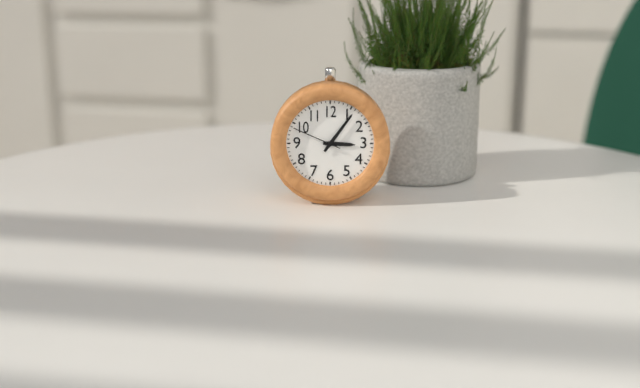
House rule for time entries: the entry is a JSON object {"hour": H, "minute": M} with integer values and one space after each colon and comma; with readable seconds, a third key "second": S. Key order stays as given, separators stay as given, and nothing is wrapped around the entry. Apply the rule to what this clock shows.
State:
{"hour": 3, "minute": 6}
